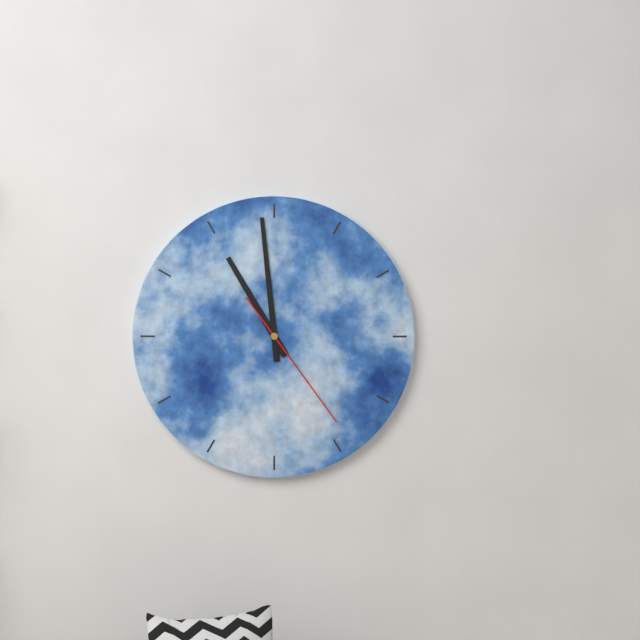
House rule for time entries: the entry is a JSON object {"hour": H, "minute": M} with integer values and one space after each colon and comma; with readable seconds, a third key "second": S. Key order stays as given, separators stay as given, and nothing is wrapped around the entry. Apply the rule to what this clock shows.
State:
{"hour": 10, "minute": 59, "second": 24}
